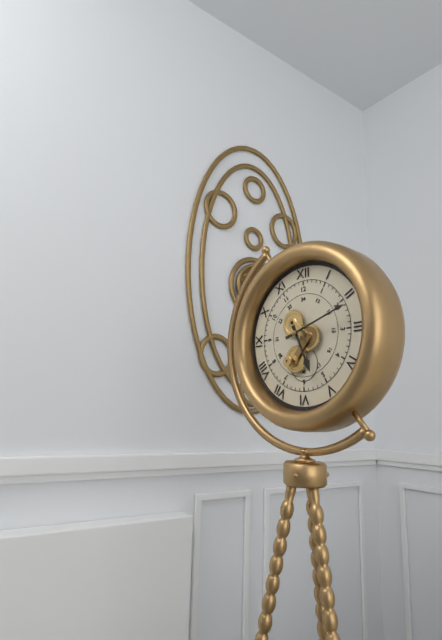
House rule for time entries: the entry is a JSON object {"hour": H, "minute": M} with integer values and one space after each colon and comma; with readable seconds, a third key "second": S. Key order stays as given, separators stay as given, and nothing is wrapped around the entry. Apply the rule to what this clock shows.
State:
{"hour": 5, "minute": 12}
